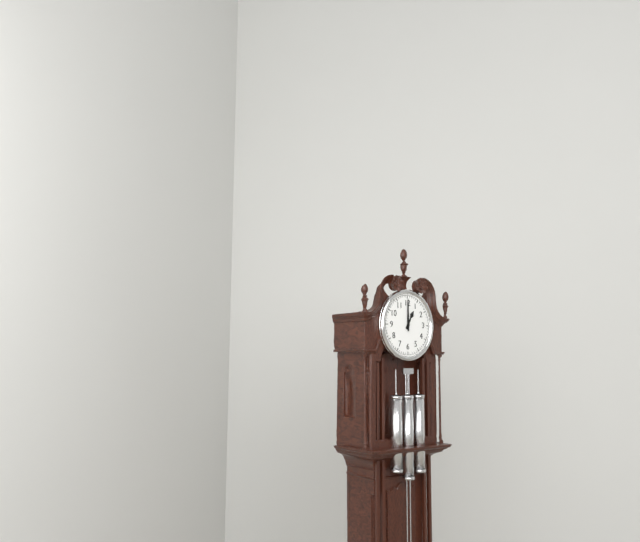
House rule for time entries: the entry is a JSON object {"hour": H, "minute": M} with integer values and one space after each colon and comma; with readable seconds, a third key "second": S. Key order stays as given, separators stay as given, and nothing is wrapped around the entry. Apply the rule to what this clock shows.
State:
{"hour": 1, "minute": 0}
